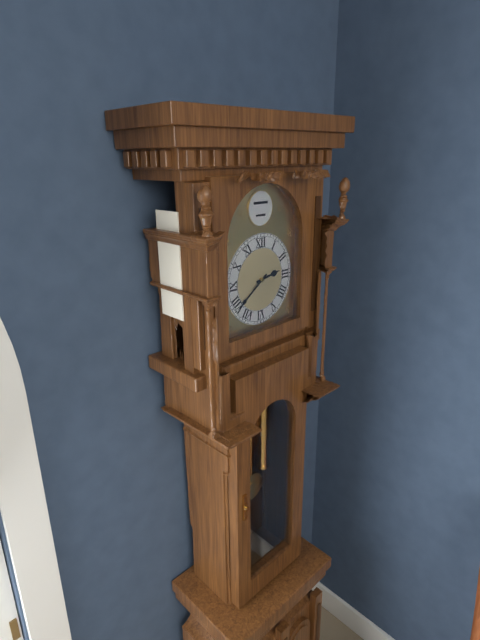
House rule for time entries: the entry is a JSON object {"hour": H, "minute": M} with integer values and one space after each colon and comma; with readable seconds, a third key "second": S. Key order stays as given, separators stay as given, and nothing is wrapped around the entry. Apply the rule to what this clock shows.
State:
{"hour": 2, "minute": 39}
